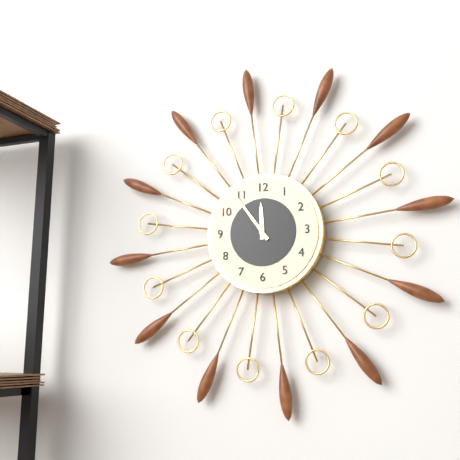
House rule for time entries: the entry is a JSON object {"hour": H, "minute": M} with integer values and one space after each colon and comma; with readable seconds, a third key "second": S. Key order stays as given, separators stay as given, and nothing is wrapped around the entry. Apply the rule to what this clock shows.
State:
{"hour": 11, "minute": 54}
